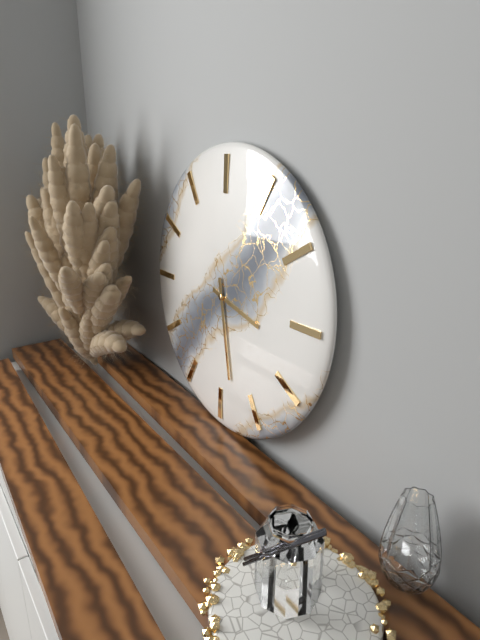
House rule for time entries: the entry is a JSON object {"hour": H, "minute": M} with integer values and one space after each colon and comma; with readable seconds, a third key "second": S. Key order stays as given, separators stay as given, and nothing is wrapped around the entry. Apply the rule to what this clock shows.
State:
{"hour": 3, "minute": 28}
